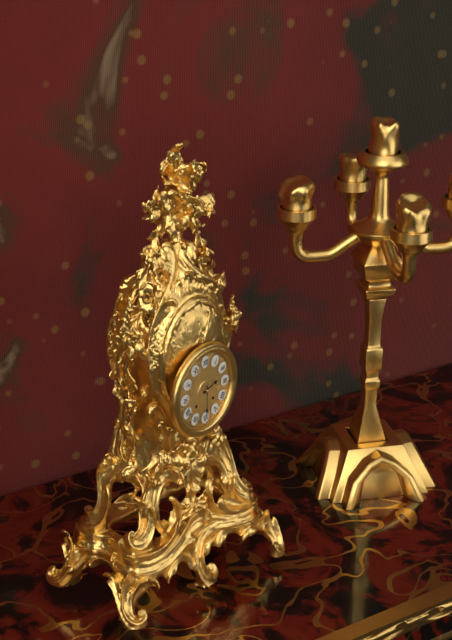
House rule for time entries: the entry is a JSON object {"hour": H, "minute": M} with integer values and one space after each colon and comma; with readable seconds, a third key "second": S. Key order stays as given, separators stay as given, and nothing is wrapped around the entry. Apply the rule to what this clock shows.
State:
{"hour": 2, "minute": 30}
